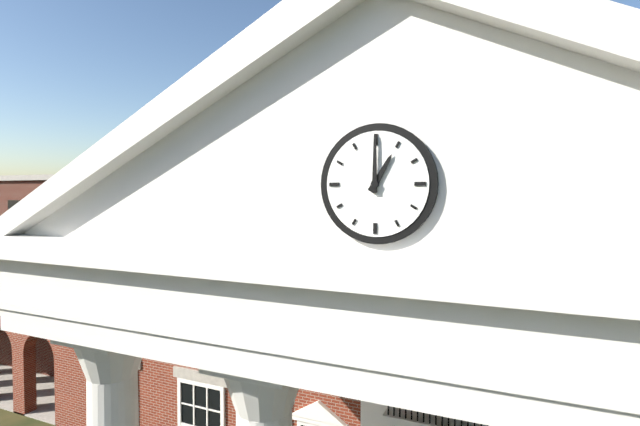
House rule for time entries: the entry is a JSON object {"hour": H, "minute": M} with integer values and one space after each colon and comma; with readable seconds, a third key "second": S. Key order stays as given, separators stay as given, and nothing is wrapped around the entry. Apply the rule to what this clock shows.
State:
{"hour": 1, "minute": 0}
